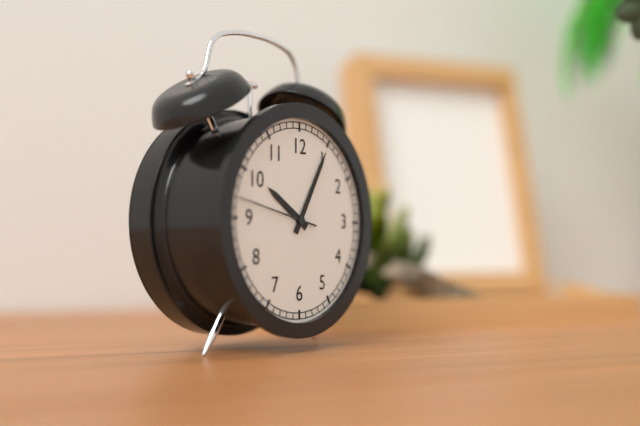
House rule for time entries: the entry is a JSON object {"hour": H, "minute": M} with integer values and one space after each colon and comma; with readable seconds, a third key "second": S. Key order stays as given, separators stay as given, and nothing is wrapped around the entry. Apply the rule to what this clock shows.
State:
{"hour": 10, "minute": 5, "second": 47}
